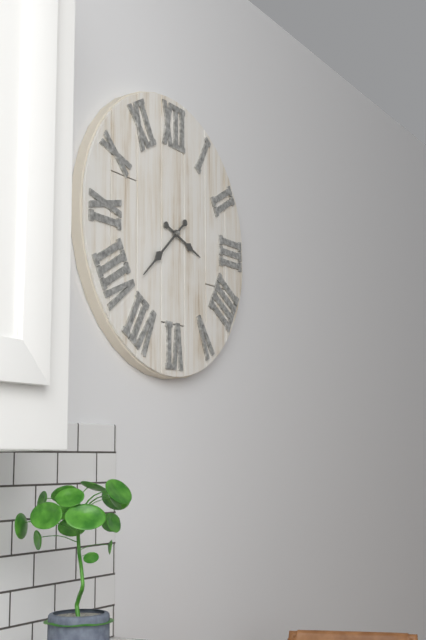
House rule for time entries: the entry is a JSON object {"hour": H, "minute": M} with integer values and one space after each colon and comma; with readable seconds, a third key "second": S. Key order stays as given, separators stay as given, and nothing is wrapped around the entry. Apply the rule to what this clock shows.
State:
{"hour": 3, "minute": 38}
